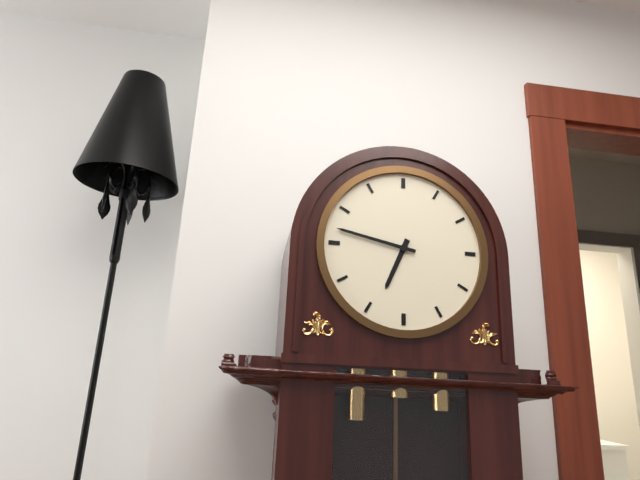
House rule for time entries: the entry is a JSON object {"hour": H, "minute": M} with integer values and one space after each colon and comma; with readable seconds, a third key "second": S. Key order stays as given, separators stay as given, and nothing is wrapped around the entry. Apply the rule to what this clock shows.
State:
{"hour": 6, "minute": 47}
